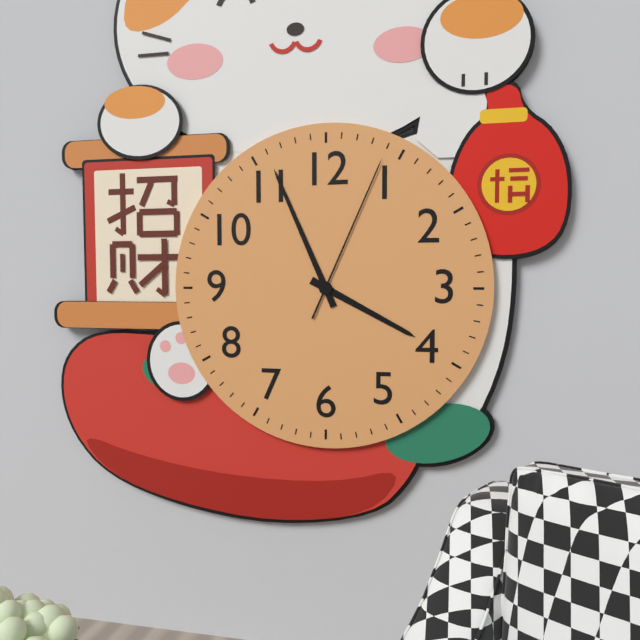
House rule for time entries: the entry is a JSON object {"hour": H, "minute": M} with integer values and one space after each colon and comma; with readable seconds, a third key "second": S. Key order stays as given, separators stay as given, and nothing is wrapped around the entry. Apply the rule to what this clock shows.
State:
{"hour": 3, "minute": 56, "second": 4}
